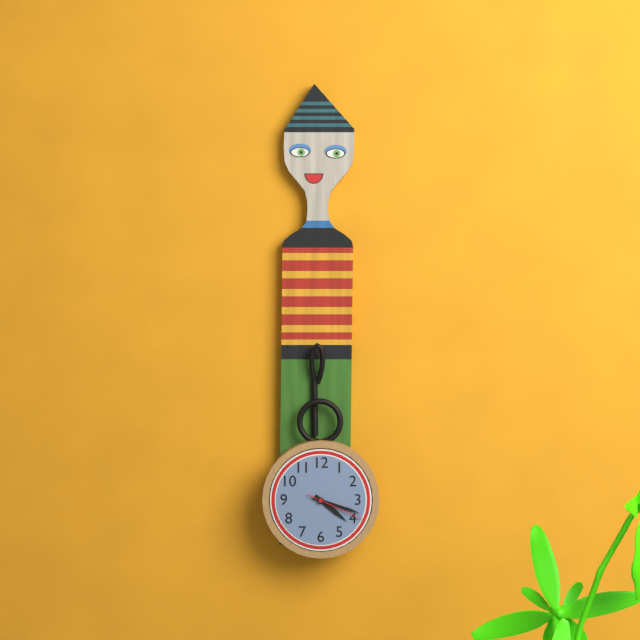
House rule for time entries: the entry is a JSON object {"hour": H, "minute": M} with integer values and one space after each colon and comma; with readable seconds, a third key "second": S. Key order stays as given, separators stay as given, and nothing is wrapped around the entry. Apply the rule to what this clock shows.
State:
{"hour": 4, "minute": 18, "second": 19}
